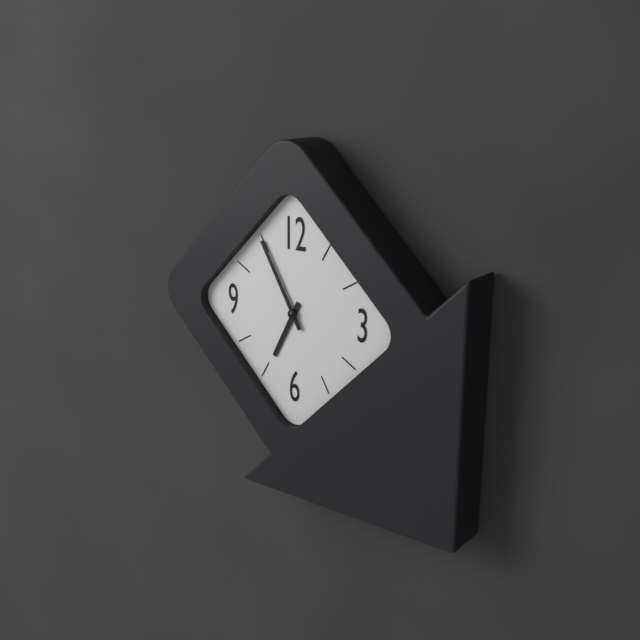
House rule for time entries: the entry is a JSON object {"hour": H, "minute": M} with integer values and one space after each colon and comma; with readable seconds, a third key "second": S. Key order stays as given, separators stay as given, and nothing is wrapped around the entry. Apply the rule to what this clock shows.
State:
{"hour": 6, "minute": 55}
